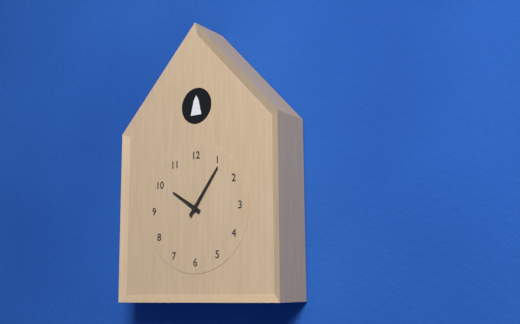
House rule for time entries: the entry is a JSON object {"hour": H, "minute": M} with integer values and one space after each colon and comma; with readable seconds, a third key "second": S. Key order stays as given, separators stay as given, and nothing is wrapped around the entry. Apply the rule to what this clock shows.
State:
{"hour": 10, "minute": 6}
